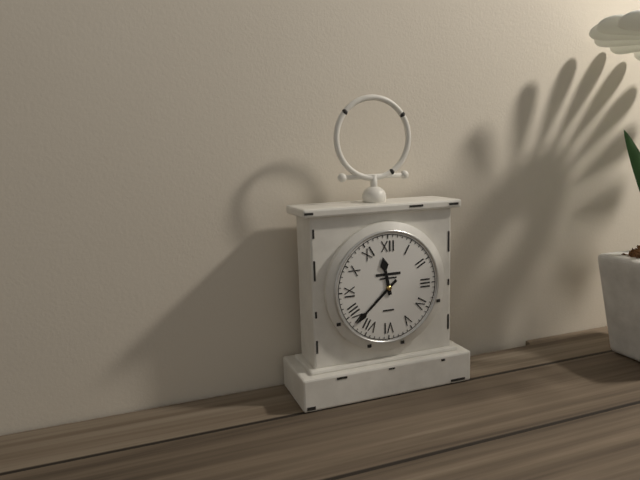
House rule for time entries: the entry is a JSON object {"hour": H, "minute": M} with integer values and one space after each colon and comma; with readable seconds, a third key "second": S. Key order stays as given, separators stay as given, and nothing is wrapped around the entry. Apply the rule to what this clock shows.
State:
{"hour": 11, "minute": 38}
